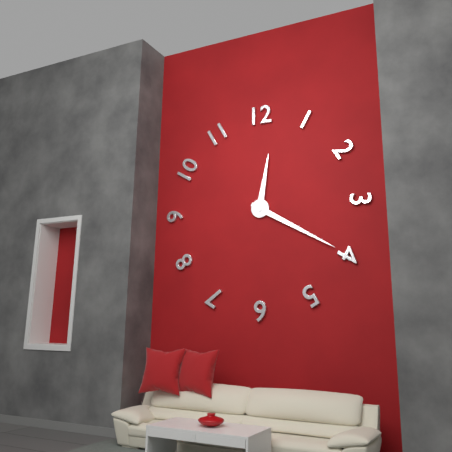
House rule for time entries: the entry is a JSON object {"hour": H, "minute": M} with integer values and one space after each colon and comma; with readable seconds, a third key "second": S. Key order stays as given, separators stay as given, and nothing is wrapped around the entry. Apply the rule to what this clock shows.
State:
{"hour": 12, "minute": 20}
